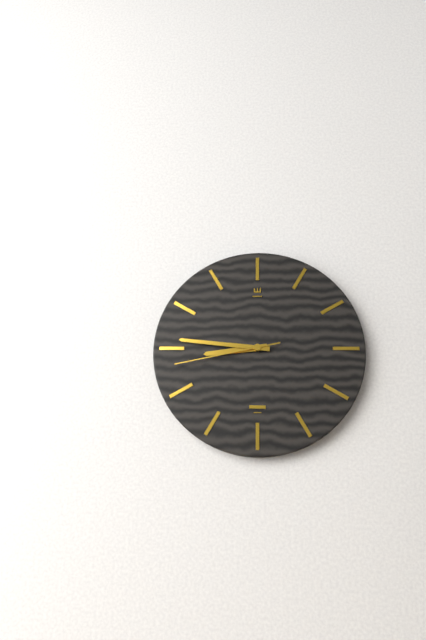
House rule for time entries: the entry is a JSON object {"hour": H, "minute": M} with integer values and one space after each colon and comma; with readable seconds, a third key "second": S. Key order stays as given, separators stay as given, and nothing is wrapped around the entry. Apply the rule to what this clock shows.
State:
{"hour": 8, "minute": 46, "second": 43}
